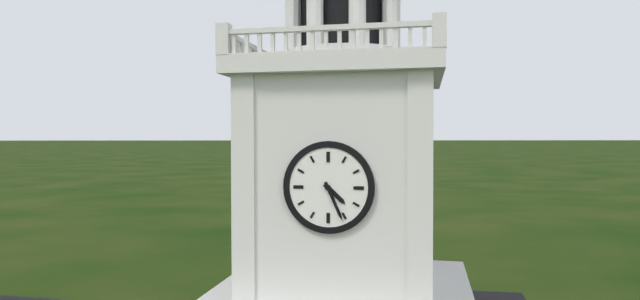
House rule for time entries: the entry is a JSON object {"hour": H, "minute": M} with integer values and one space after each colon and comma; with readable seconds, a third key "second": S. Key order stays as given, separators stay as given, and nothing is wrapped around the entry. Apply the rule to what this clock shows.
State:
{"hour": 4, "minute": 26}
